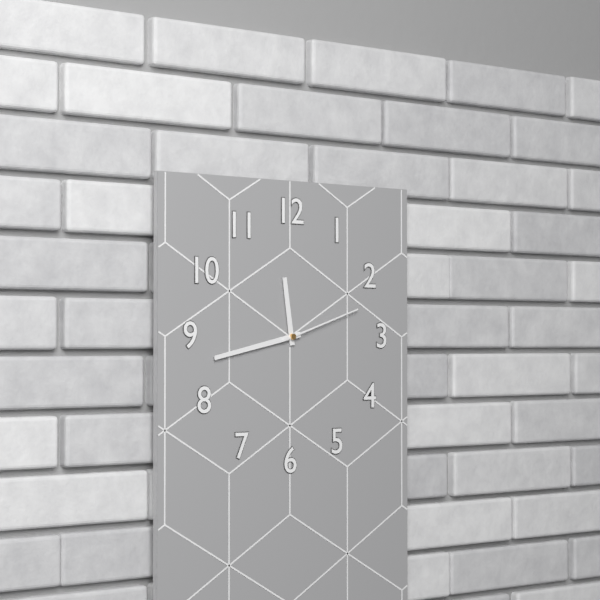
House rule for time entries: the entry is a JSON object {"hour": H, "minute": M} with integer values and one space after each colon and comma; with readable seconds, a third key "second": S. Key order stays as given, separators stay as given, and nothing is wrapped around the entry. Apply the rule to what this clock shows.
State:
{"hour": 11, "minute": 43, "second": 12}
